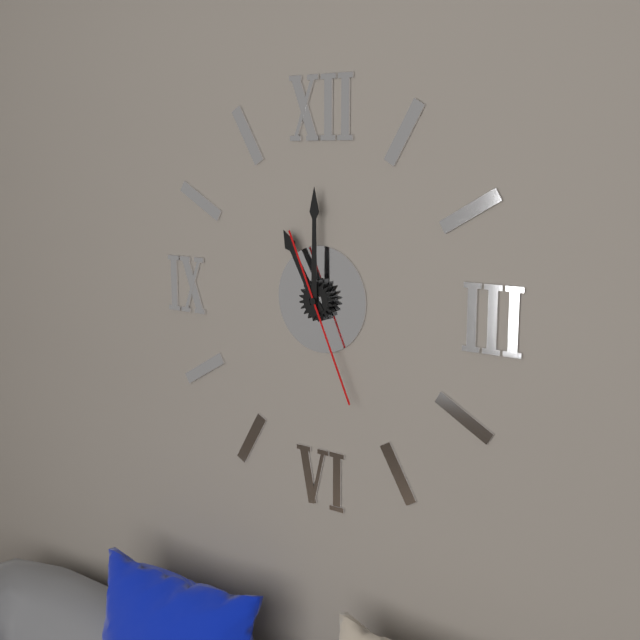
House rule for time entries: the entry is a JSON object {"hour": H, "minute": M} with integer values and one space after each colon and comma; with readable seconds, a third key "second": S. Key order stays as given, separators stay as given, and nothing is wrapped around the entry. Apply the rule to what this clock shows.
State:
{"hour": 11, "minute": 0, "second": 26}
